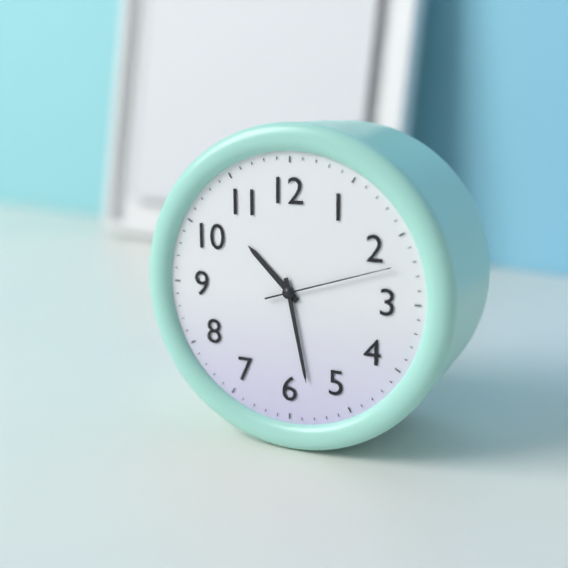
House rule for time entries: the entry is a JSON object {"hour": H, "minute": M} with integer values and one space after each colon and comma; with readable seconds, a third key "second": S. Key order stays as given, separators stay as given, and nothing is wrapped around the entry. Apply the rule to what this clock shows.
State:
{"hour": 10, "minute": 28, "second": 12}
